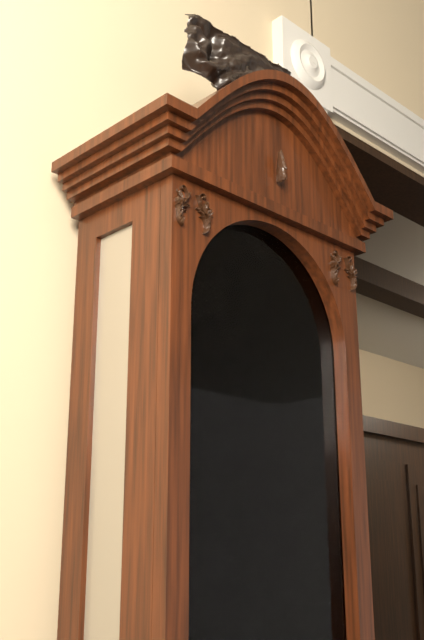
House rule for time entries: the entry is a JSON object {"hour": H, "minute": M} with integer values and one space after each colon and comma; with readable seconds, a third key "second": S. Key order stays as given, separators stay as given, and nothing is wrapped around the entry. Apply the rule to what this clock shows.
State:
{"hour": 5, "minute": 0}
